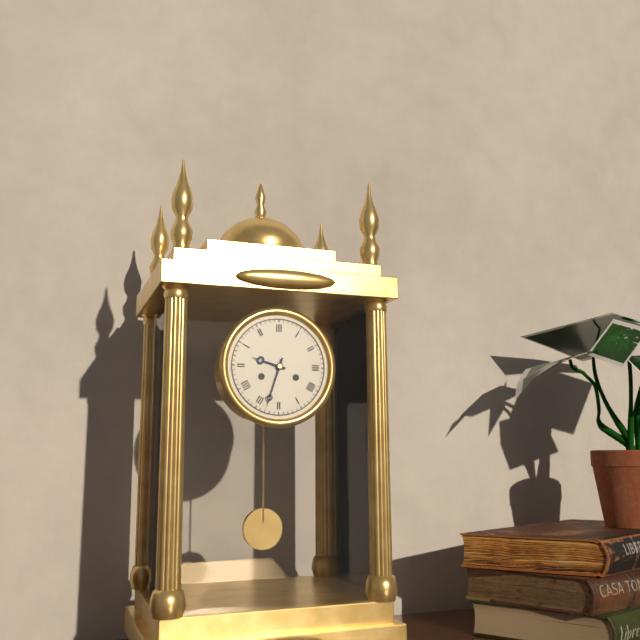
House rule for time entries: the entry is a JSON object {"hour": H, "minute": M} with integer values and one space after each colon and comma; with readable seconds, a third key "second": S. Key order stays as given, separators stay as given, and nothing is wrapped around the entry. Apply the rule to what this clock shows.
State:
{"hour": 9, "minute": 33}
